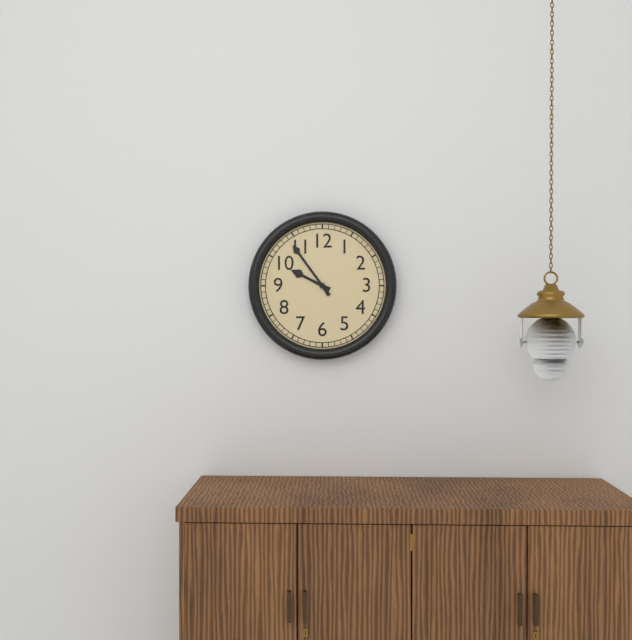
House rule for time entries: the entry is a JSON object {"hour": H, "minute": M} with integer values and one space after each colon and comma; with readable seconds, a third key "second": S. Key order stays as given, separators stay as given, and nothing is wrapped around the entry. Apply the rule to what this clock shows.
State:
{"hour": 9, "minute": 54}
